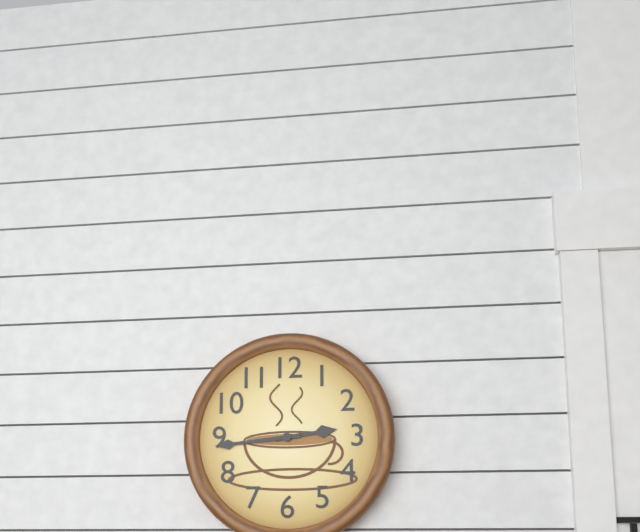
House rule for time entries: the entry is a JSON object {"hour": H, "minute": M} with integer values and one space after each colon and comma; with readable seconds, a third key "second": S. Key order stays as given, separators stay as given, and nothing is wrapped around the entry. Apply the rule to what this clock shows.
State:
{"hour": 2, "minute": 44}
